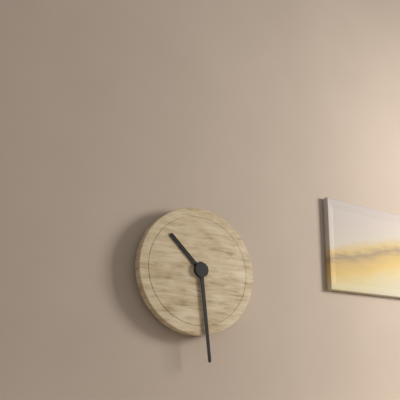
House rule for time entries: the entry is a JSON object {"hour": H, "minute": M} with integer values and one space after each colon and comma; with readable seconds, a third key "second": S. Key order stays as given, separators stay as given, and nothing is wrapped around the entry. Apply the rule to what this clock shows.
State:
{"hour": 10, "minute": 29}
